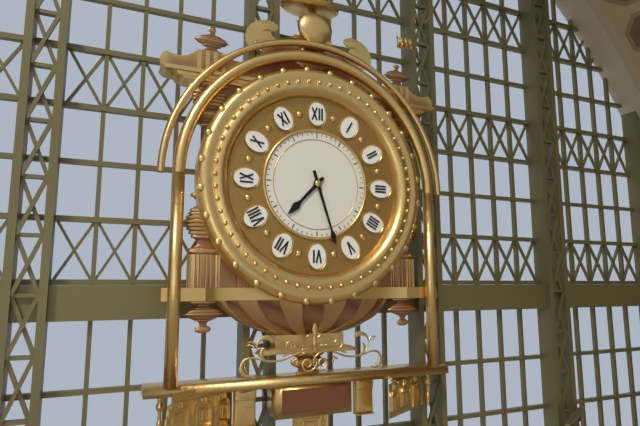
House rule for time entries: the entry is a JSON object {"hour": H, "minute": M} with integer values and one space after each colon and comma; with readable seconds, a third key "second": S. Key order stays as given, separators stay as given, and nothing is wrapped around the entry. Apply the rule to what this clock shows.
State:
{"hour": 7, "minute": 27}
